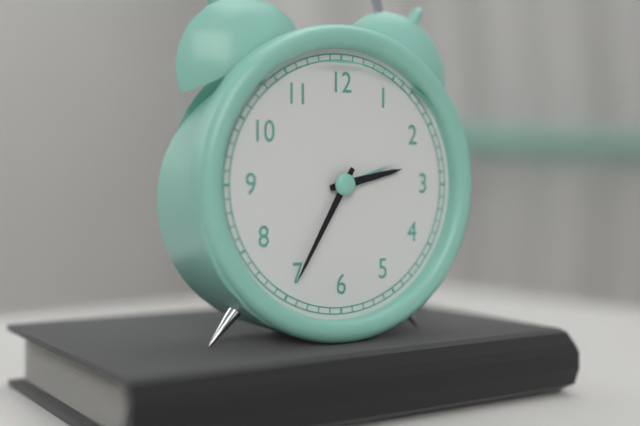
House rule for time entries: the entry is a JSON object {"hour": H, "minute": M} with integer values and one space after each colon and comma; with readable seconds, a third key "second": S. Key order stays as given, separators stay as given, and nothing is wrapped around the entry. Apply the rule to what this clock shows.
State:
{"hour": 2, "minute": 35}
